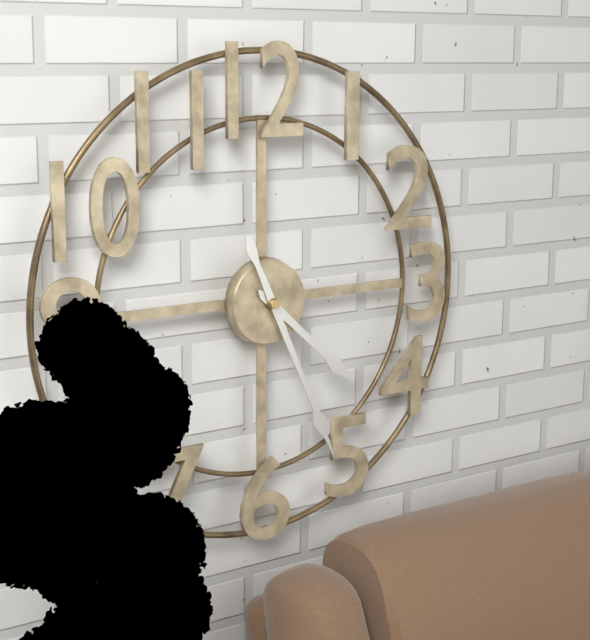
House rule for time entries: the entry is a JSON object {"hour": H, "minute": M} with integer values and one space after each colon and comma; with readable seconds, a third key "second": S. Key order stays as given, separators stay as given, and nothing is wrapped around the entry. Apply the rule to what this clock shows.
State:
{"hour": 4, "minute": 26}
